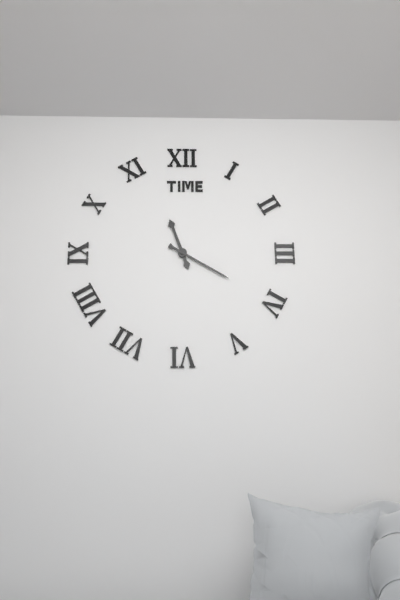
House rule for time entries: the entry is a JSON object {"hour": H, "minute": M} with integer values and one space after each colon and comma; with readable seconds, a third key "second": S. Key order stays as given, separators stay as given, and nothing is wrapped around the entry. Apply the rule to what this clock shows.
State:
{"hour": 11, "minute": 20}
